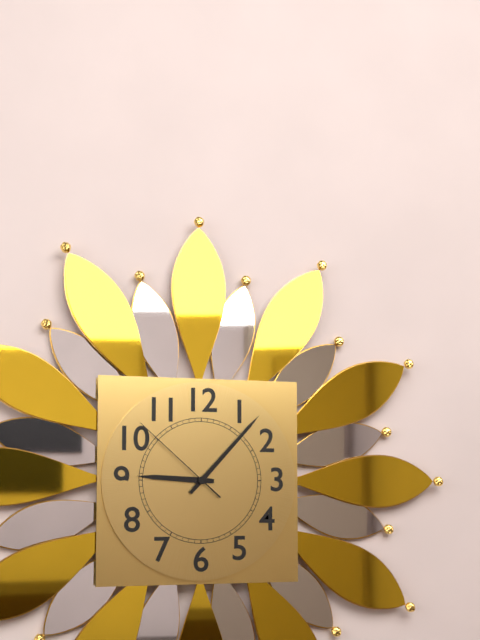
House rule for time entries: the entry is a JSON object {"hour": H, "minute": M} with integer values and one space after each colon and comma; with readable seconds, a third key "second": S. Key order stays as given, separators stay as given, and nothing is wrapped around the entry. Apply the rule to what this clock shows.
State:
{"hour": 9, "minute": 7, "second": 52}
